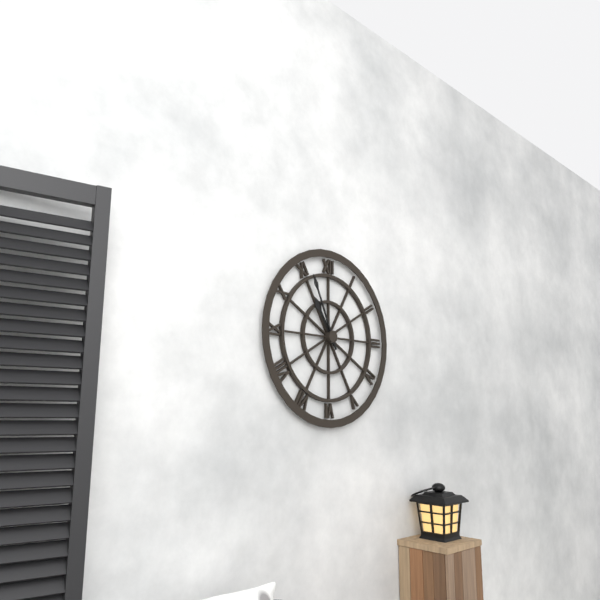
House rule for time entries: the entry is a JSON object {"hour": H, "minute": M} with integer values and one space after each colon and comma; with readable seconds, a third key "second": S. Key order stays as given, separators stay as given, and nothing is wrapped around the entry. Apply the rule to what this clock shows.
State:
{"hour": 10, "minute": 56}
